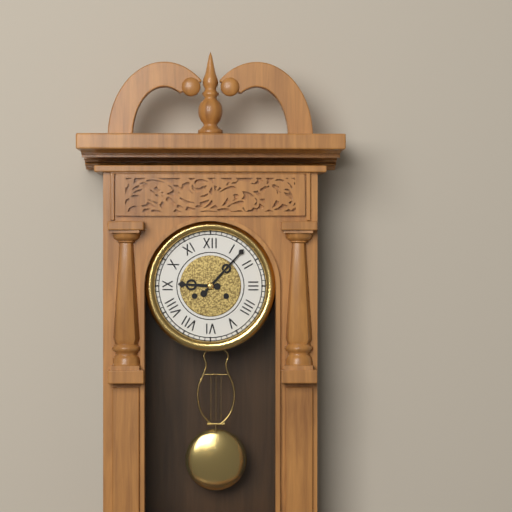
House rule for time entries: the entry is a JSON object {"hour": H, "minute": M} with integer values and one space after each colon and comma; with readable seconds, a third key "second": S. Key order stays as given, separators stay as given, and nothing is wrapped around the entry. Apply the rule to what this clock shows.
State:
{"hour": 9, "minute": 7}
